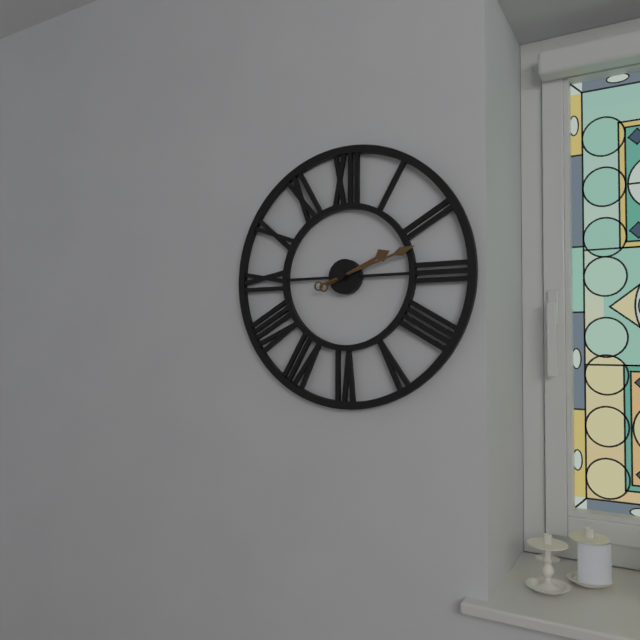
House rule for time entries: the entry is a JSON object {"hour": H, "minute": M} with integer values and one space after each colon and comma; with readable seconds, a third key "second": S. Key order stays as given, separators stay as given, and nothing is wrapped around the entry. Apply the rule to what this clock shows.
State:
{"hour": 2, "minute": 12}
